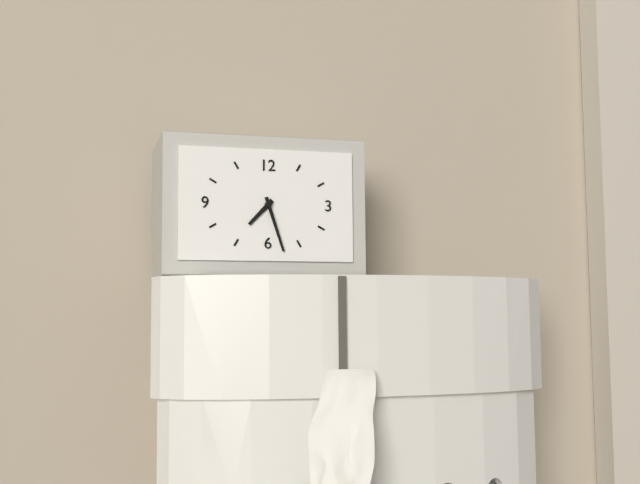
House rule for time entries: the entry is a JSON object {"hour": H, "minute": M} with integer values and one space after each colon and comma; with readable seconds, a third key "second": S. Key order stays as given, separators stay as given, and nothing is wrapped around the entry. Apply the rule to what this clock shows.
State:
{"hour": 7, "minute": 27}
